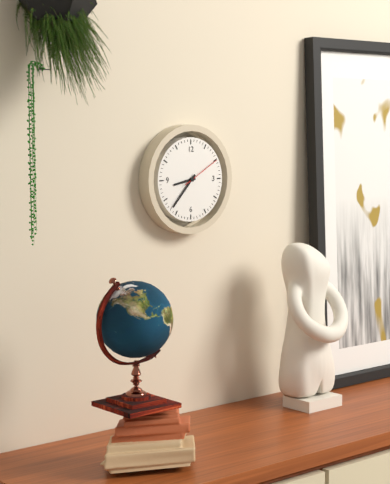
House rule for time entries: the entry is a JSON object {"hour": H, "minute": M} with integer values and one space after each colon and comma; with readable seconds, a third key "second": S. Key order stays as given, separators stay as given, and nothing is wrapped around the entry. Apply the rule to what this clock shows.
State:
{"hour": 8, "minute": 37}
